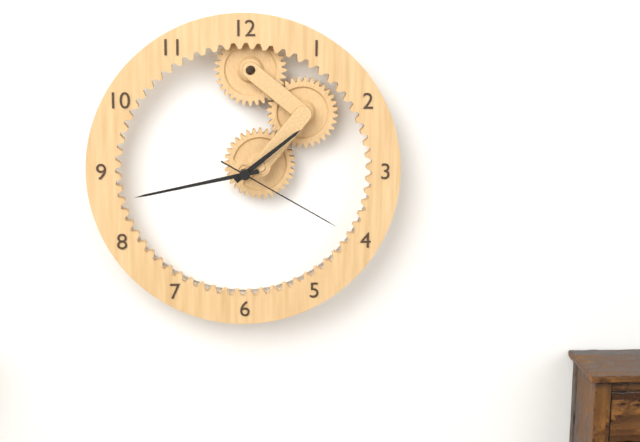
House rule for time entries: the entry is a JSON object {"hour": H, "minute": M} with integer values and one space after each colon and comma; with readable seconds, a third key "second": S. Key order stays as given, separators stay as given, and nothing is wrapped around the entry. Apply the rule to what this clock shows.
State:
{"hour": 1, "minute": 43, "second": 20}
